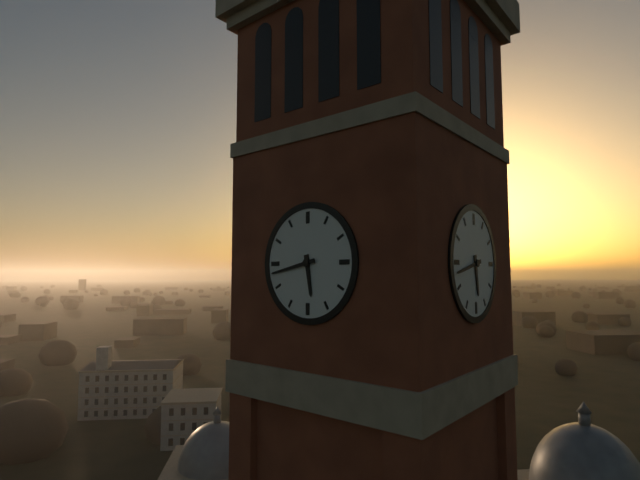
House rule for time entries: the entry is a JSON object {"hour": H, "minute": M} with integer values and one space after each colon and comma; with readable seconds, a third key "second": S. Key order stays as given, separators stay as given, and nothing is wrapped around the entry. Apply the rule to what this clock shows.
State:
{"hour": 5, "minute": 43}
